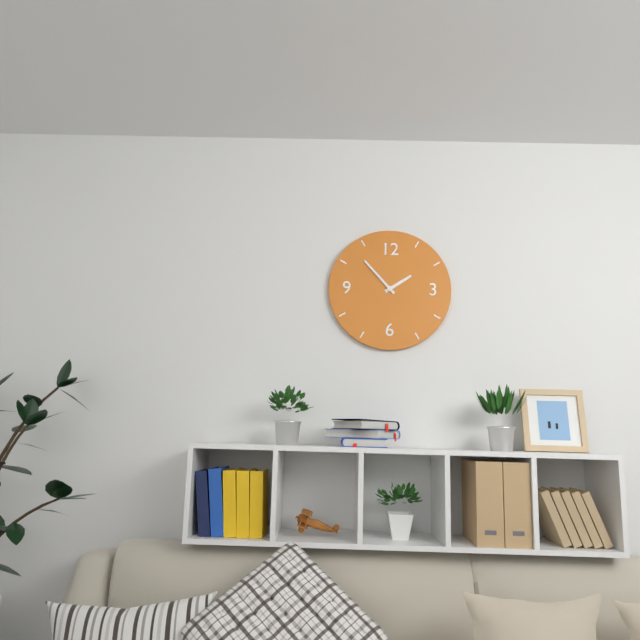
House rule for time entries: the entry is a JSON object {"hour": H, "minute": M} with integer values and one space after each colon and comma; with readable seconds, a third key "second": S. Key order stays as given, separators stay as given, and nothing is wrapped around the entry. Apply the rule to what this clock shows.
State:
{"hour": 1, "minute": 53}
